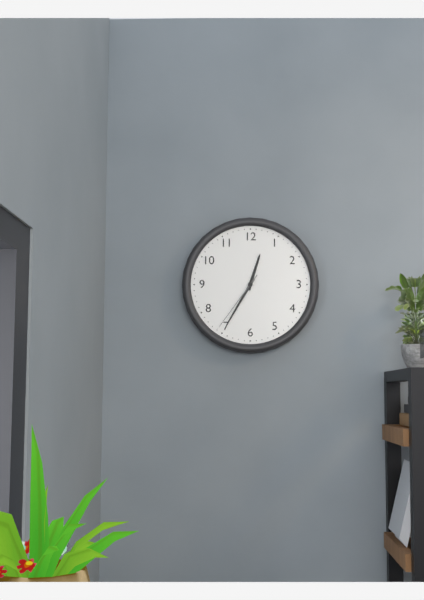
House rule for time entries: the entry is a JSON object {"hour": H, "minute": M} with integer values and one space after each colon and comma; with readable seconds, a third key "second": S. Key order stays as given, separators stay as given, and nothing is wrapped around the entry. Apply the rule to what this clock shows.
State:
{"hour": 12, "minute": 35, "second": 36}
